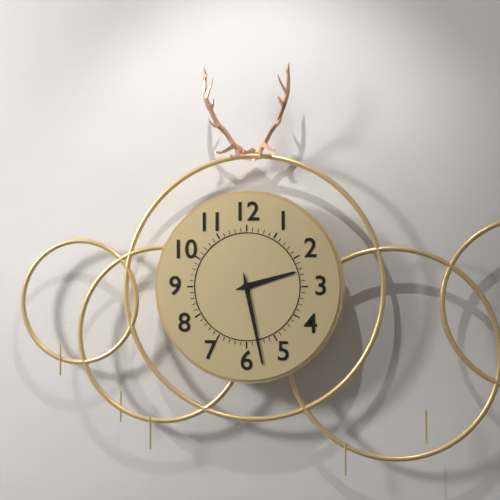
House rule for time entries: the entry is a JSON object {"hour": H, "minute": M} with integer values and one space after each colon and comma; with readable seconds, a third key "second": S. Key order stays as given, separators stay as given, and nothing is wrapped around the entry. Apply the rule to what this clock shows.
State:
{"hour": 2, "minute": 28}
